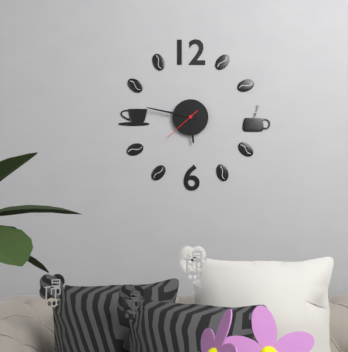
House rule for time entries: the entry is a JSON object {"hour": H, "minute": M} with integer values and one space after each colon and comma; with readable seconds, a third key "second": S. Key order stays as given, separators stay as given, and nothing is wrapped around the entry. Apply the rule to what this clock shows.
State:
{"hour": 5, "minute": 47}
